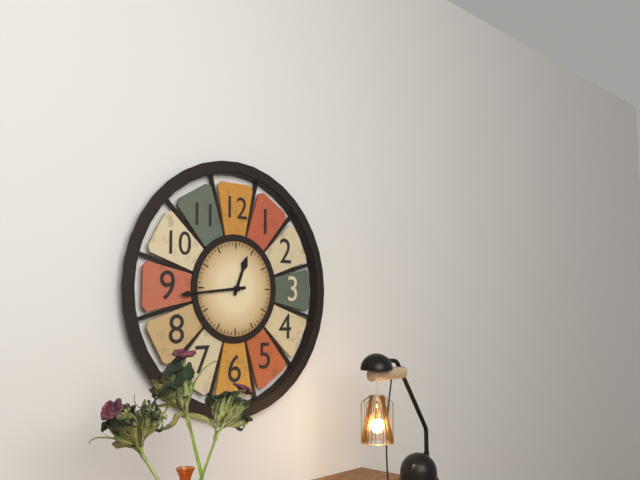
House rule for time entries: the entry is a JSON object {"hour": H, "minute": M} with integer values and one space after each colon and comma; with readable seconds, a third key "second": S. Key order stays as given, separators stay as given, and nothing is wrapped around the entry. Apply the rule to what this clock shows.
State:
{"hour": 12, "minute": 44}
